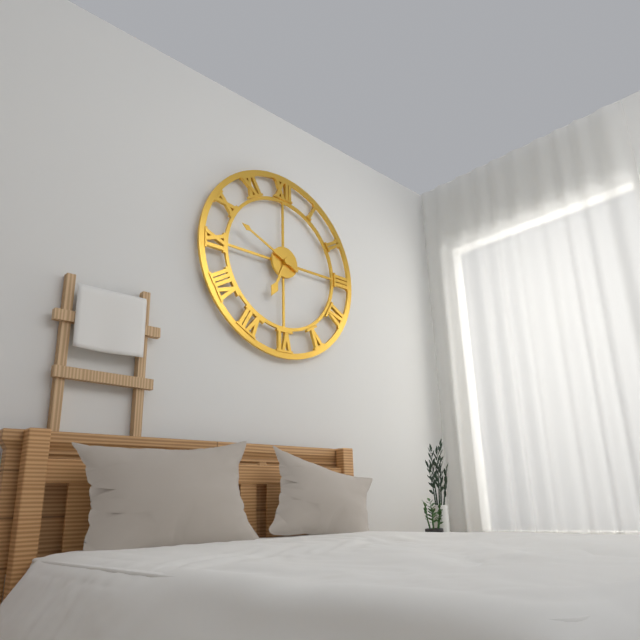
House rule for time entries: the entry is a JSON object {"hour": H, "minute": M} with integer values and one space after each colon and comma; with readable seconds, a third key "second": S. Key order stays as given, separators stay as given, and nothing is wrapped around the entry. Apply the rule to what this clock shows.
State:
{"hour": 6, "minute": 49}
